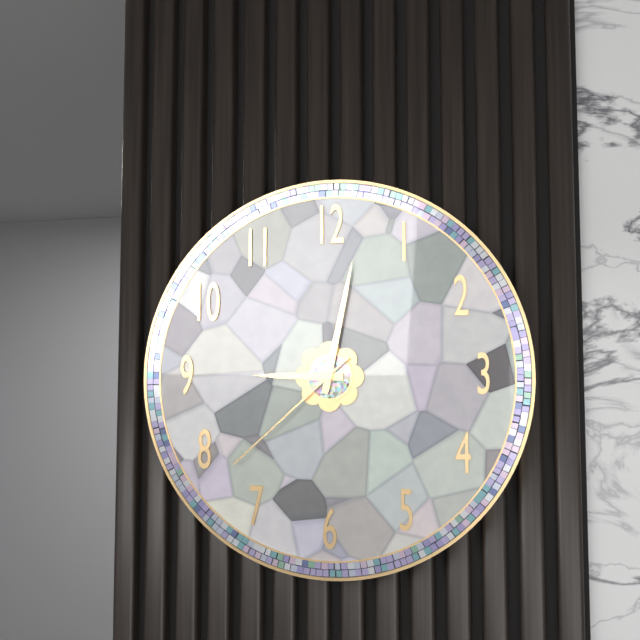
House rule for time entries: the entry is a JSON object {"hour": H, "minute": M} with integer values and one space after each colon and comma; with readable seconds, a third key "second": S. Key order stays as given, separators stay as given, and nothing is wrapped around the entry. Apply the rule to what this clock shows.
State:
{"hour": 9, "minute": 2, "second": 38}
